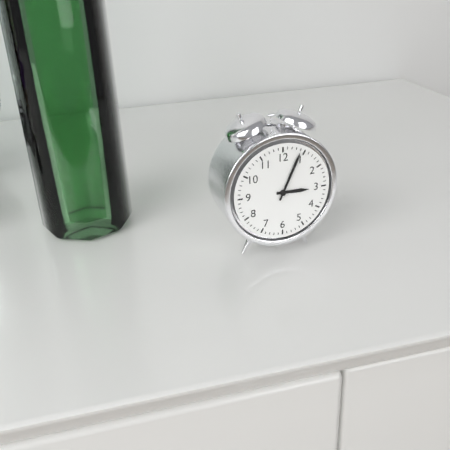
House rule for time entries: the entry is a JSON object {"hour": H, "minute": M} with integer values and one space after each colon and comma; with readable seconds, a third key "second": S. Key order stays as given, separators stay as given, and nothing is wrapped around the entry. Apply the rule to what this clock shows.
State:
{"hour": 3, "minute": 4}
